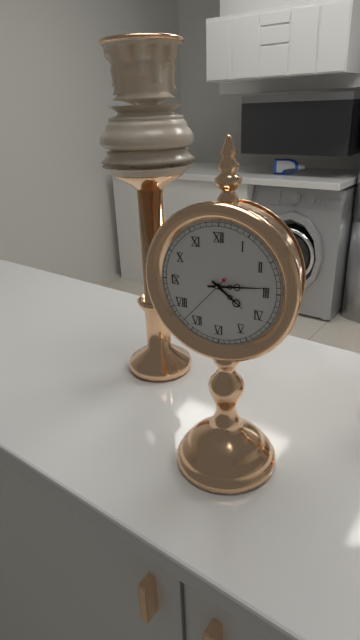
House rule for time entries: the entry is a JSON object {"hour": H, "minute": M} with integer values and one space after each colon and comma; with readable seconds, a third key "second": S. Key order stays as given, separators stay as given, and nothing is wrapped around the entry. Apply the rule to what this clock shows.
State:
{"hour": 4, "minute": 14, "second": 37}
